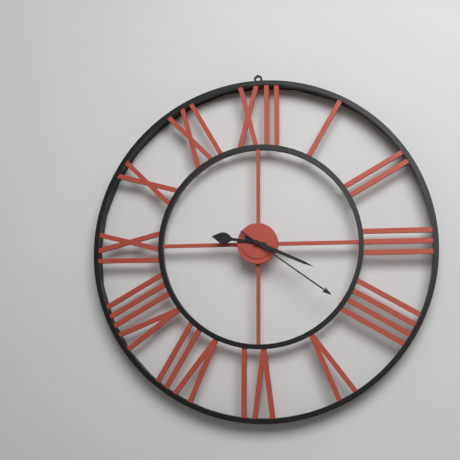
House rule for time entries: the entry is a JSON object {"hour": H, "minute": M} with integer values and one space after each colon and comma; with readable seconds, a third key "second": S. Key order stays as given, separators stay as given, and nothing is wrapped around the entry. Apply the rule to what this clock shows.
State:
{"hour": 9, "minute": 19, "second": 21}
